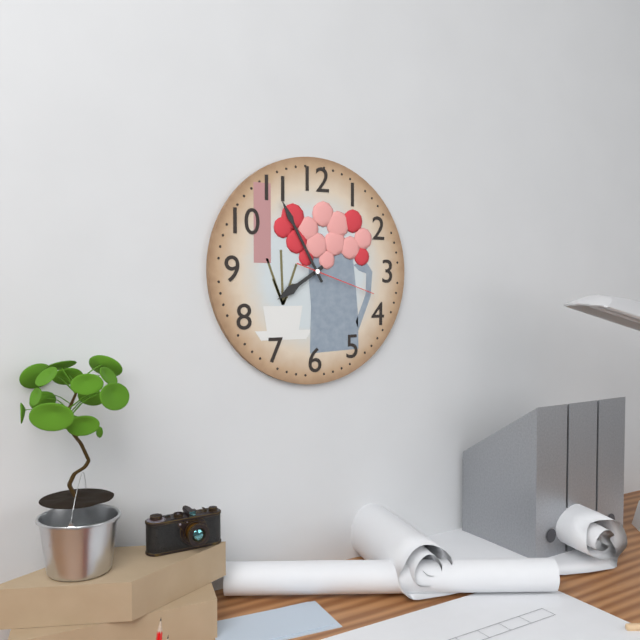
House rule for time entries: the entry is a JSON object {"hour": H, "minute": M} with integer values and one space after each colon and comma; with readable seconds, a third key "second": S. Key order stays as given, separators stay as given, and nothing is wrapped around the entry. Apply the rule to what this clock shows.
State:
{"hour": 7, "minute": 55, "second": 18}
